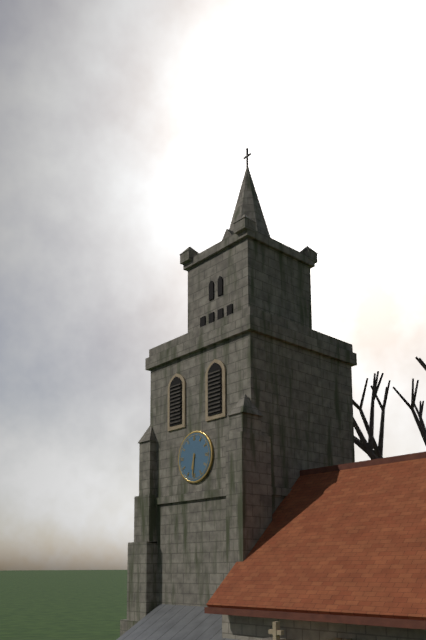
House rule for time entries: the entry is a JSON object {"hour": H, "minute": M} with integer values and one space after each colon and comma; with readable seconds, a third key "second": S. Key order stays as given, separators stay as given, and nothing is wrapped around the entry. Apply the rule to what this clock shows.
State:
{"hour": 6, "minute": 31}
